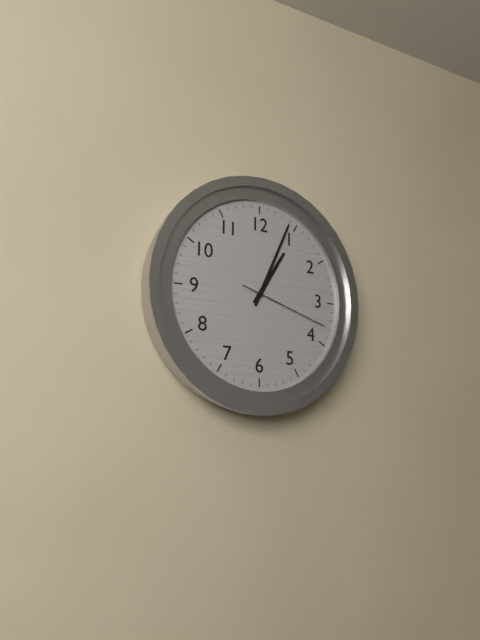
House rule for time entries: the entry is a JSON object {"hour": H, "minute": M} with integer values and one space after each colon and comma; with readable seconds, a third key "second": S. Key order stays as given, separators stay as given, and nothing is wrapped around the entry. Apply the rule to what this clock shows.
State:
{"hour": 1, "minute": 4, "second": 18}
